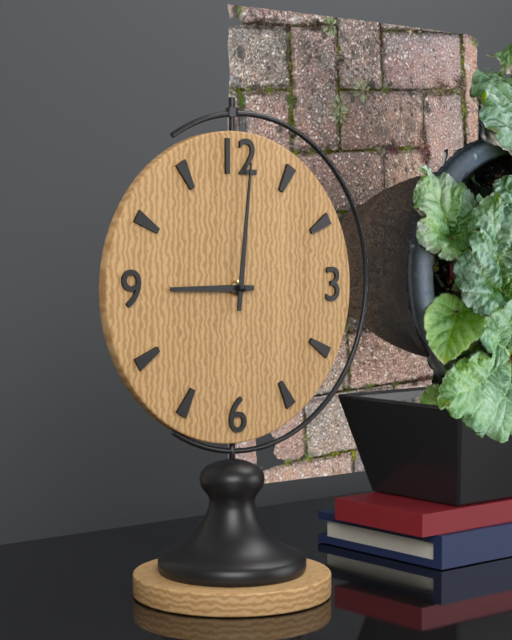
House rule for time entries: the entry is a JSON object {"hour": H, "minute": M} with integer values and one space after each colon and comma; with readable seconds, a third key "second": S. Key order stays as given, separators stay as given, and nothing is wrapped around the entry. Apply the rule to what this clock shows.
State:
{"hour": 9, "minute": 1}
